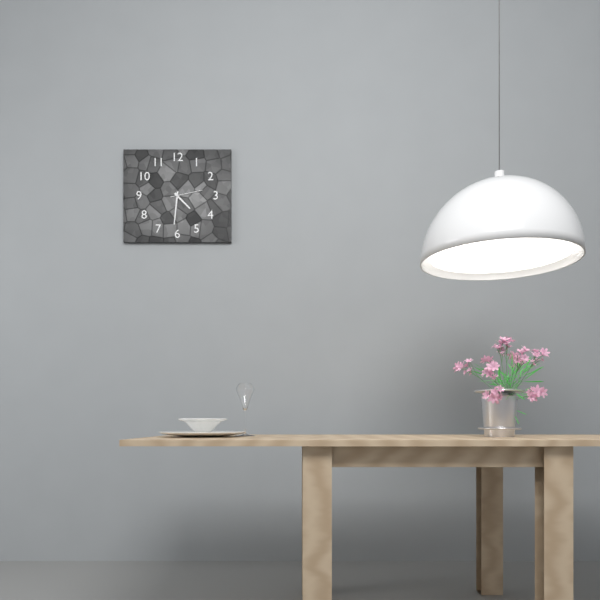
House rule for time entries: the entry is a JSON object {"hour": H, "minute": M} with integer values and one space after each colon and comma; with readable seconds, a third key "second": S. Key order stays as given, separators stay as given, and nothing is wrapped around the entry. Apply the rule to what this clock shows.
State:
{"hour": 4, "minute": 31}
